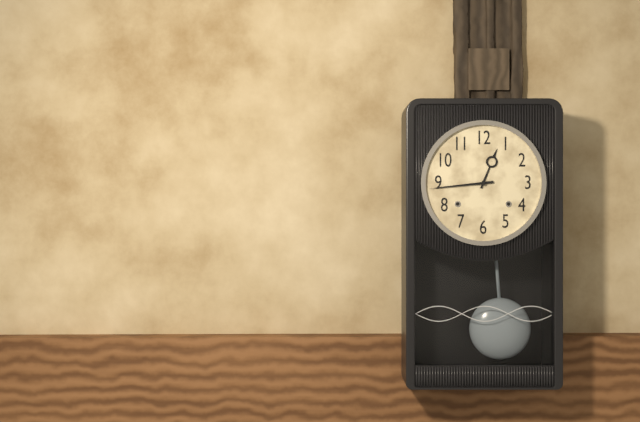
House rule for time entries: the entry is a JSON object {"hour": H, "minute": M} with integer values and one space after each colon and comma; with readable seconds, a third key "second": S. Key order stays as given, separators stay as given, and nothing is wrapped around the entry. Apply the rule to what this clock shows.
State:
{"hour": 12, "minute": 44}
